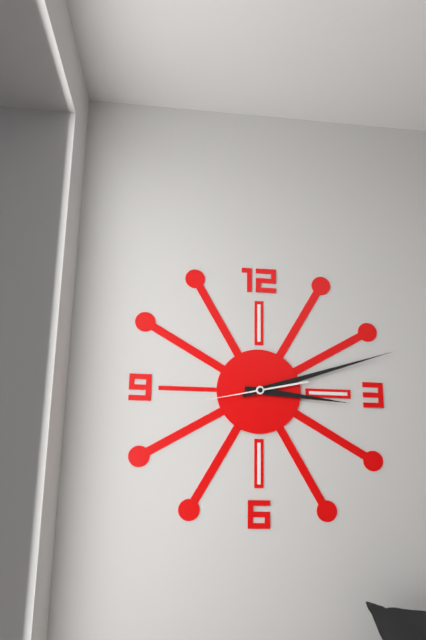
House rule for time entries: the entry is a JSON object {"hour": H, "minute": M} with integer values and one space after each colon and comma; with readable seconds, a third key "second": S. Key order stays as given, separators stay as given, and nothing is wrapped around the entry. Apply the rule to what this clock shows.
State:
{"hour": 3, "minute": 12, "second": 43}
